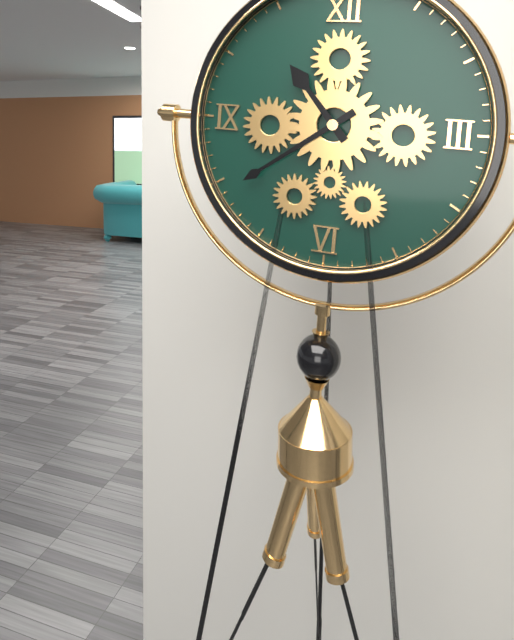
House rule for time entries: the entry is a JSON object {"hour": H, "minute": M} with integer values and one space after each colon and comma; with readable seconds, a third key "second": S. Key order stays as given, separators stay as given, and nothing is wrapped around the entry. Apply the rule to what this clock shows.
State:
{"hour": 10, "minute": 39}
